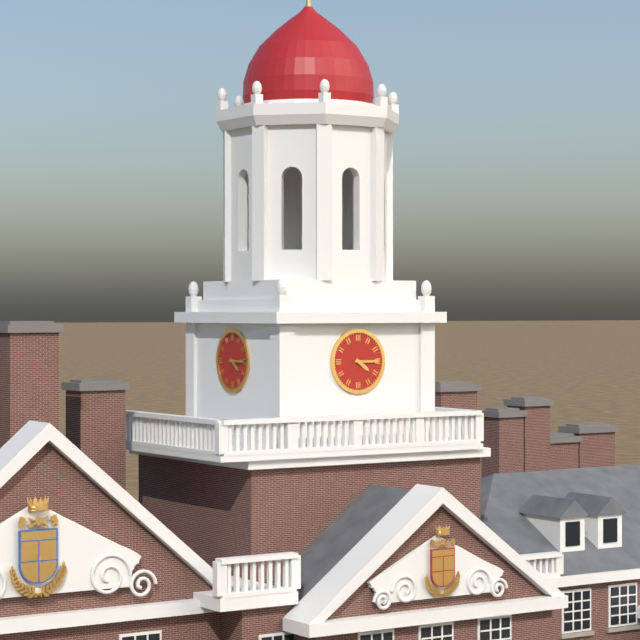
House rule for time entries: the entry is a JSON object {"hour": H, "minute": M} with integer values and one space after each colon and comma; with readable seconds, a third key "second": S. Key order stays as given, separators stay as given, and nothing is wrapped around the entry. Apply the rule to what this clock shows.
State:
{"hour": 4, "minute": 15}
